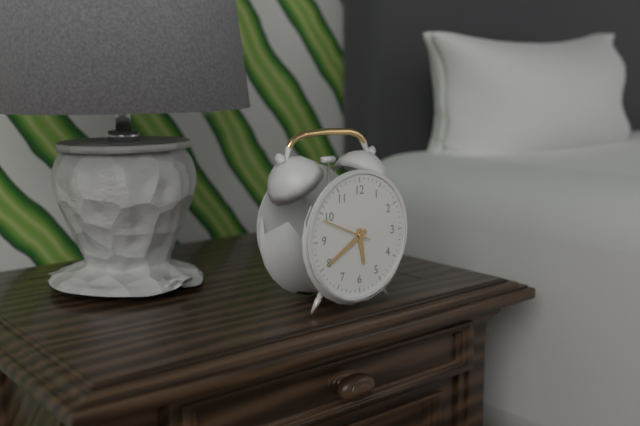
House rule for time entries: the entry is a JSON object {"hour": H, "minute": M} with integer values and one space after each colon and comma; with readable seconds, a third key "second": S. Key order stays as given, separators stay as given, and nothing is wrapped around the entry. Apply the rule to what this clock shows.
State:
{"hour": 5, "minute": 40, "second": 49}
